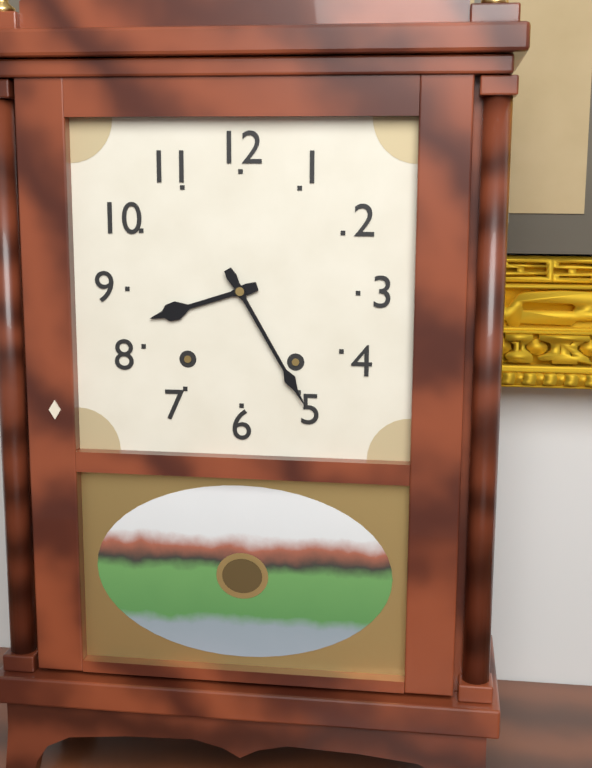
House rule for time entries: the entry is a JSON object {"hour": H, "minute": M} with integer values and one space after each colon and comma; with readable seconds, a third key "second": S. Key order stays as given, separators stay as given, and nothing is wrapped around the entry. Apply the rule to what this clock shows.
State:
{"hour": 8, "minute": 25}
